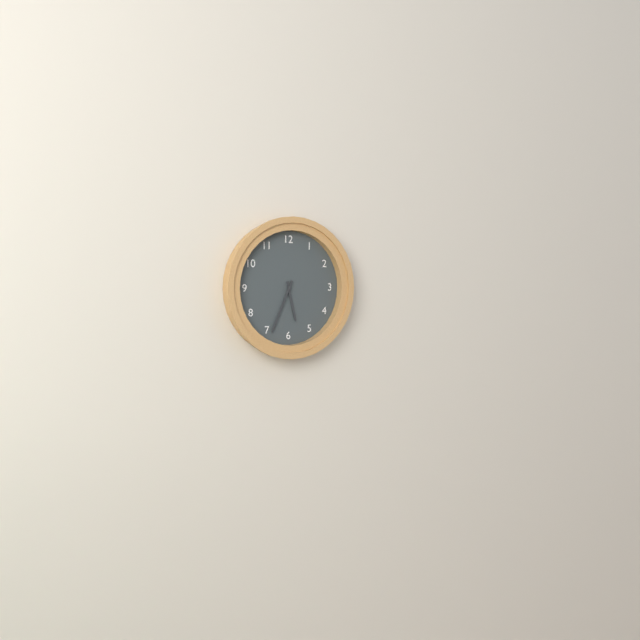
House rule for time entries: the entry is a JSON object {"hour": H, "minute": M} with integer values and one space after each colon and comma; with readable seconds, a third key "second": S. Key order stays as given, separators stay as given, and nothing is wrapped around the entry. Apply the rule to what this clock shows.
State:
{"hour": 5, "minute": 34}
